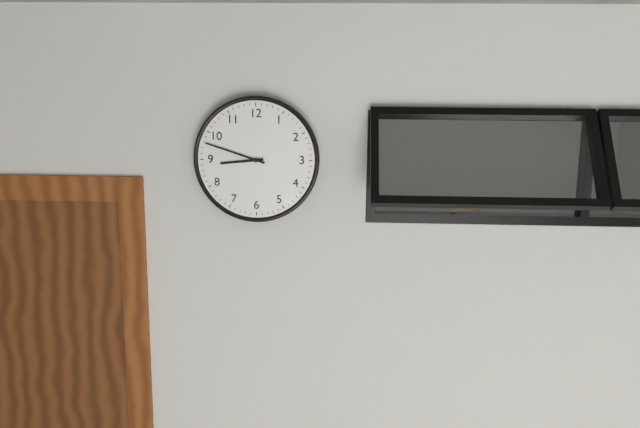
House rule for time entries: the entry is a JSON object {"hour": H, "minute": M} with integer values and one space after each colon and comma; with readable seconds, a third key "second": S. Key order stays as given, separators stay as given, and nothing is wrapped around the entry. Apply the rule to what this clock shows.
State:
{"hour": 8, "minute": 48}
